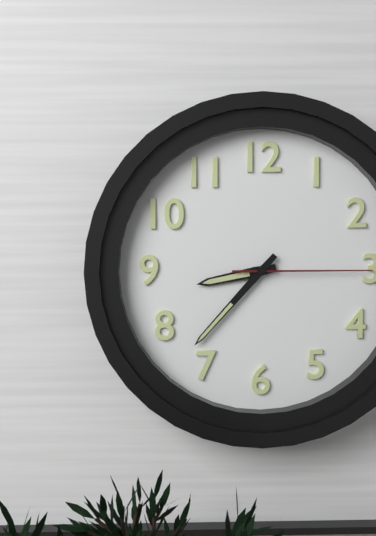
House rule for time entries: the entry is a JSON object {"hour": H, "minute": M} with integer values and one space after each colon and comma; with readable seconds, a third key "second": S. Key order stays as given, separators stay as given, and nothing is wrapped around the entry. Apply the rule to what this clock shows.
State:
{"hour": 8, "minute": 37, "second": 15}
